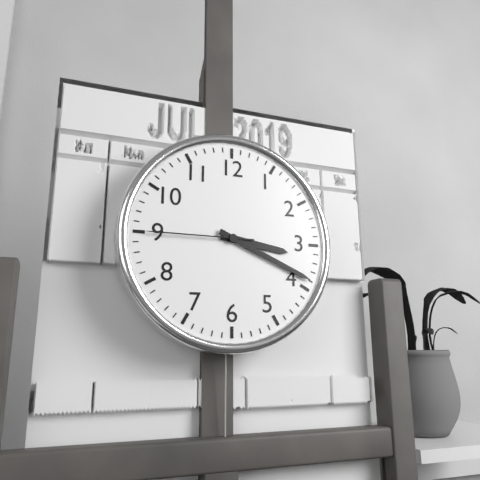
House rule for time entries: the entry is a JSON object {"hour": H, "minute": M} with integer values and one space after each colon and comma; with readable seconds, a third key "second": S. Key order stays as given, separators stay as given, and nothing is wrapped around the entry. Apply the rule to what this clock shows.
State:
{"hour": 3, "minute": 19, "second": 45}
